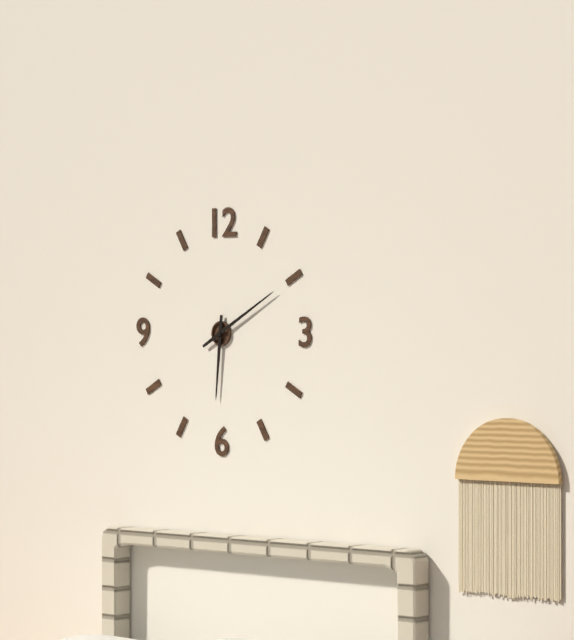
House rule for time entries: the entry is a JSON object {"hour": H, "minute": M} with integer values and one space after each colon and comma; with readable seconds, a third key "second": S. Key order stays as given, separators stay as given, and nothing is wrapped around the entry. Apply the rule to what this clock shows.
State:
{"hour": 6, "minute": 10}
